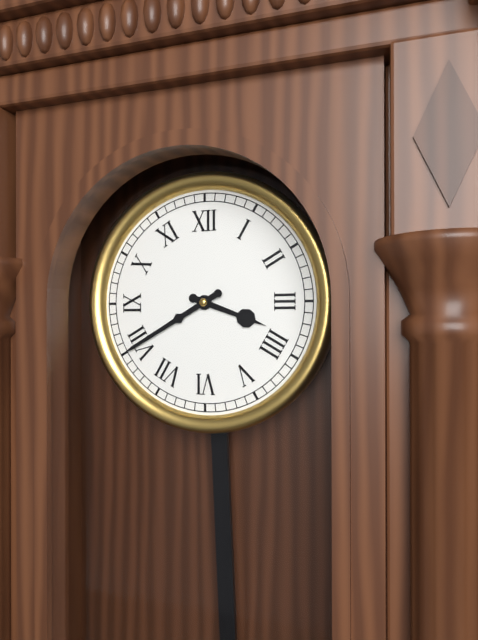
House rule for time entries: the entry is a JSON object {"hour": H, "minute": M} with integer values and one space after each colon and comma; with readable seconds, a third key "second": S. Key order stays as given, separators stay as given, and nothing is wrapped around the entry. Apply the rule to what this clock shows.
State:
{"hour": 3, "minute": 40}
